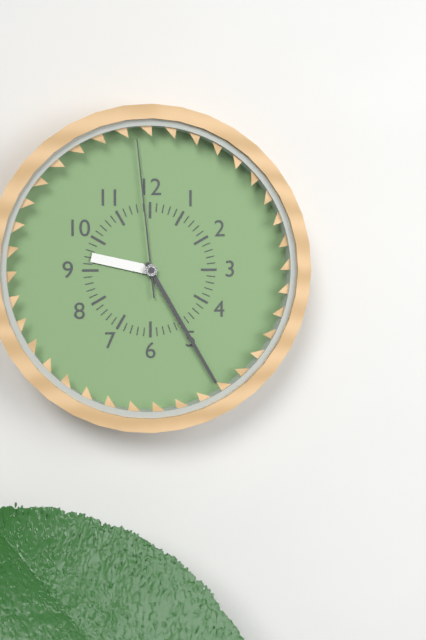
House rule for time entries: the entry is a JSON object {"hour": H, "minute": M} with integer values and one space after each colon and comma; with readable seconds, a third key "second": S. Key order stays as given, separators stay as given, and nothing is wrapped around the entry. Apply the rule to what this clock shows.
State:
{"hour": 9, "minute": 25, "second": 59}
